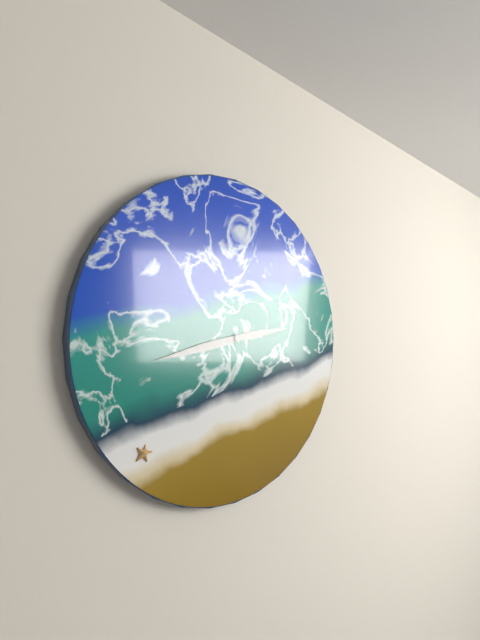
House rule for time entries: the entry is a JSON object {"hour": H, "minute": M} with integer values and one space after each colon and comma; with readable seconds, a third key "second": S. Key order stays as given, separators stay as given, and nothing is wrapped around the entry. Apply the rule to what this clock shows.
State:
{"hour": 2, "minute": 43}
